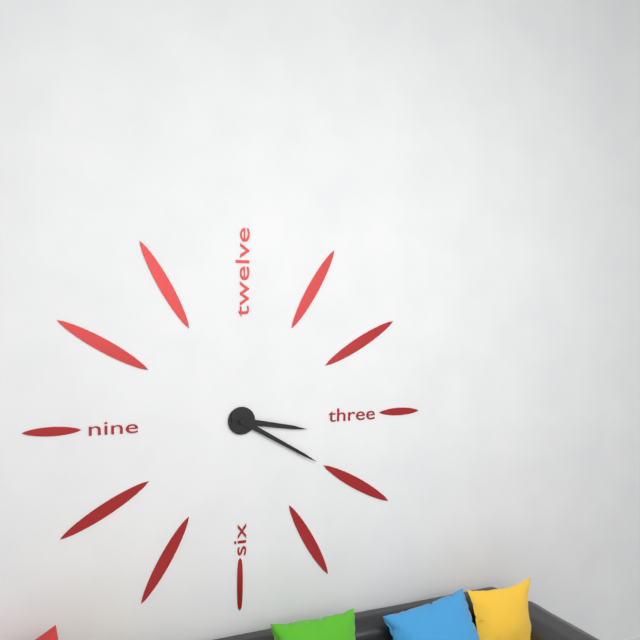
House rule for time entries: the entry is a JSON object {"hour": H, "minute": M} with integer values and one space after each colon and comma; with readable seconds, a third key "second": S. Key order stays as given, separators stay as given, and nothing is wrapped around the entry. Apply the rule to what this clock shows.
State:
{"hour": 3, "minute": 20}
